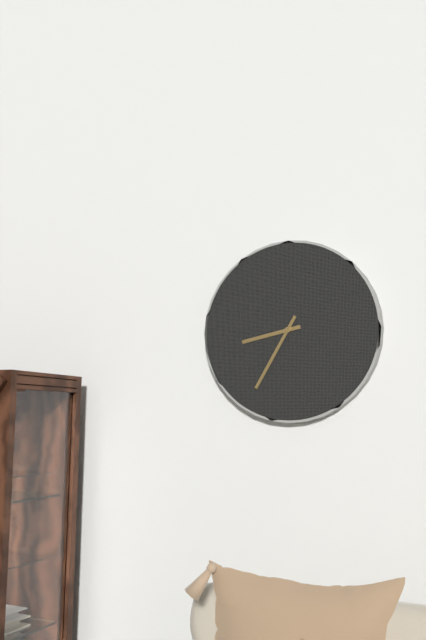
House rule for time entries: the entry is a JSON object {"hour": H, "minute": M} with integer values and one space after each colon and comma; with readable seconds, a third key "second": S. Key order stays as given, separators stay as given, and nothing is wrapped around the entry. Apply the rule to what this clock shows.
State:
{"hour": 8, "minute": 35}
